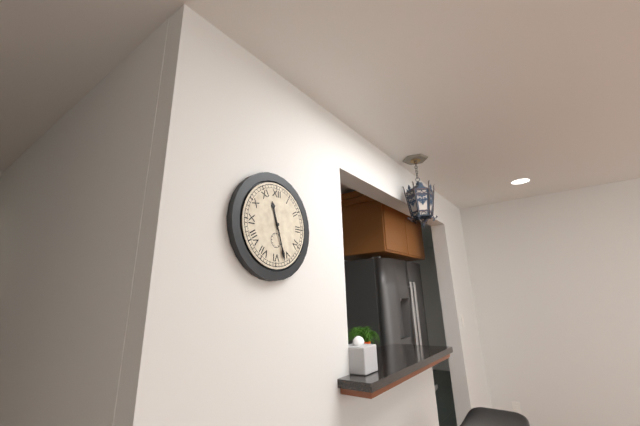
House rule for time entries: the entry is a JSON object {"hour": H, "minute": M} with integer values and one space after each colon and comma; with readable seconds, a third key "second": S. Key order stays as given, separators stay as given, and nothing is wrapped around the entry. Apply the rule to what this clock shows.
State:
{"hour": 11, "minute": 27}
